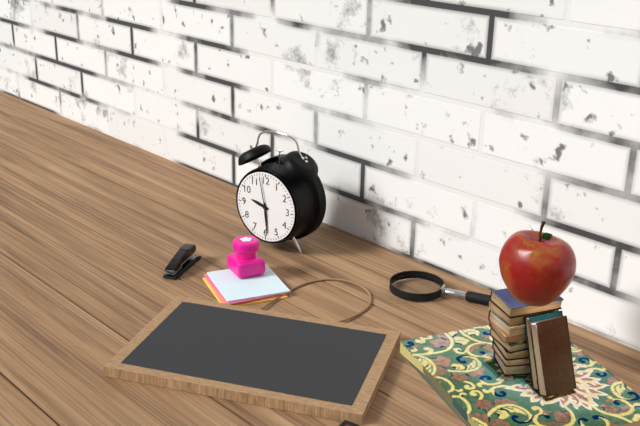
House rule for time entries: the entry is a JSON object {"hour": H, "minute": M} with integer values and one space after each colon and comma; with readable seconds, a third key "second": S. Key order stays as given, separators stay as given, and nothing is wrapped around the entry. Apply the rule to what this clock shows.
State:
{"hour": 9, "minute": 29}
